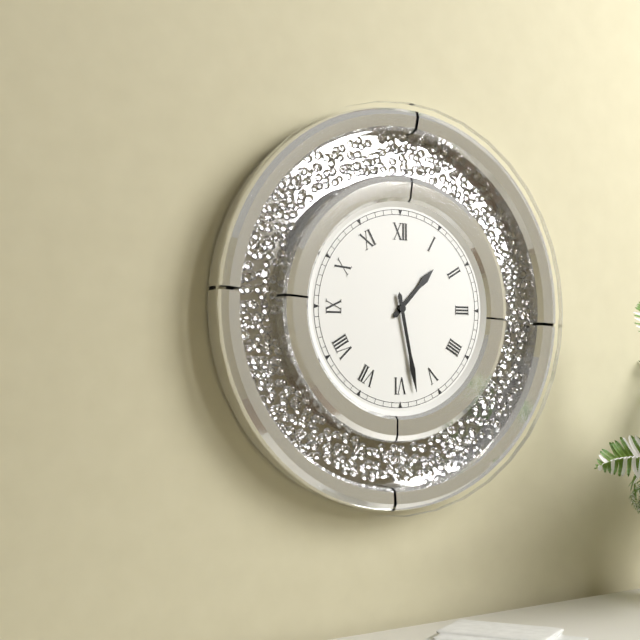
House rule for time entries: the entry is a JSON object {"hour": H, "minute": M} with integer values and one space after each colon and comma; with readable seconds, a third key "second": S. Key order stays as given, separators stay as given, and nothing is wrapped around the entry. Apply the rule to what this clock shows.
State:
{"hour": 1, "minute": 28}
